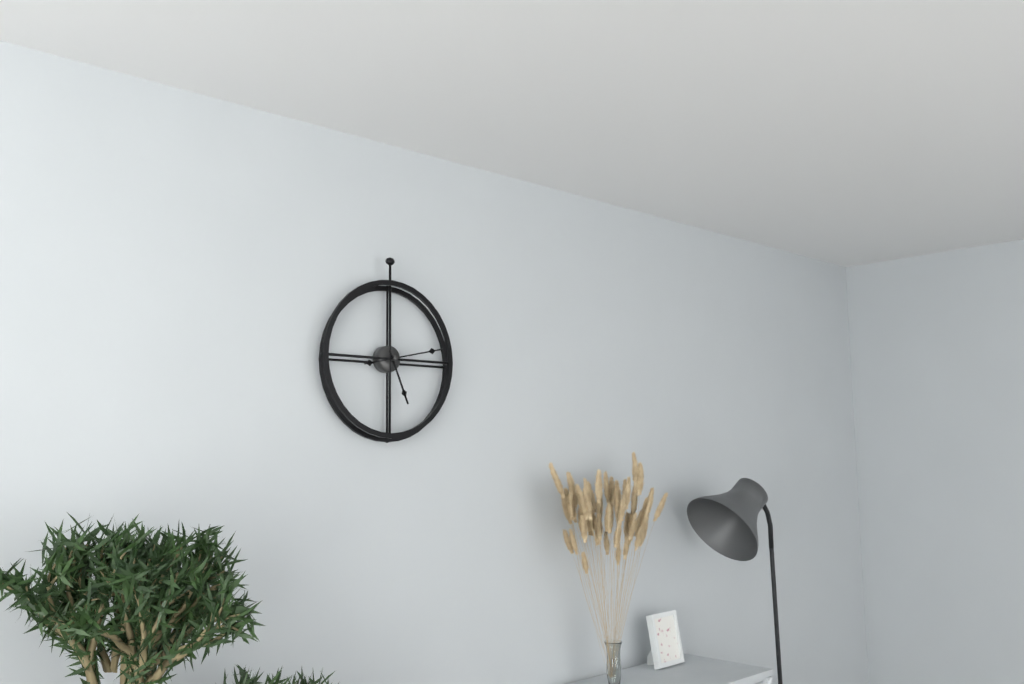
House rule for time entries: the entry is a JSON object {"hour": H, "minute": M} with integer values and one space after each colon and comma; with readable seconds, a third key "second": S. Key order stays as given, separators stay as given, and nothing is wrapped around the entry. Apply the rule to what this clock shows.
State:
{"hour": 5, "minute": 13}
